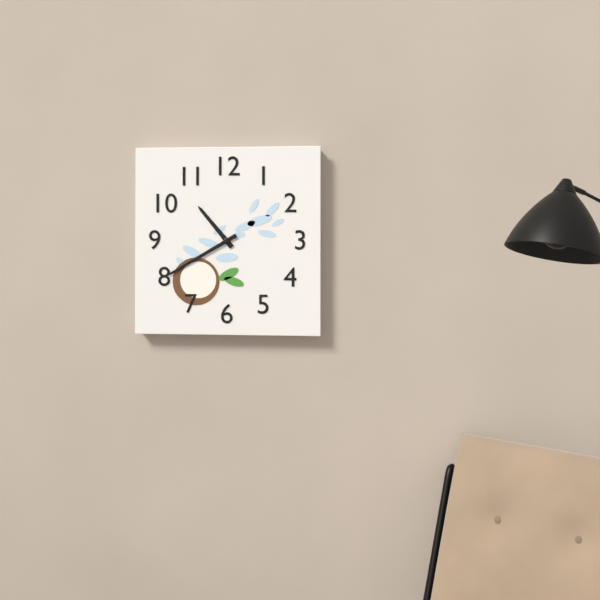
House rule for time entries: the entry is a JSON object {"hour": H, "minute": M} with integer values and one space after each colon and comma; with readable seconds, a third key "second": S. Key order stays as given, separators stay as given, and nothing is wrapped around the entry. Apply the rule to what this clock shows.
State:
{"hour": 10, "minute": 40}
